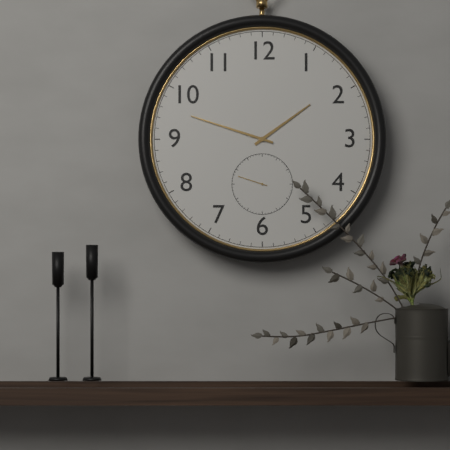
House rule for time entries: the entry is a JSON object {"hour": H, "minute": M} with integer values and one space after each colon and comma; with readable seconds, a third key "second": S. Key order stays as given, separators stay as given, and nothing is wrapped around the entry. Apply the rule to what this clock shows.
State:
{"hour": 1, "minute": 48}
